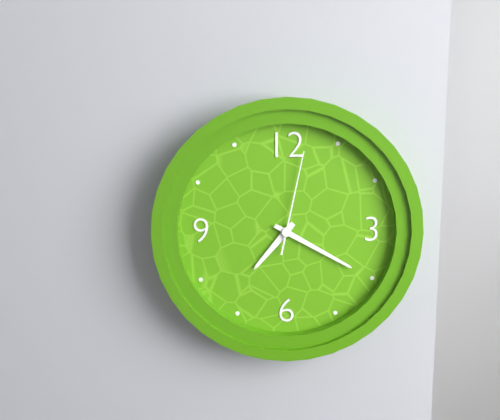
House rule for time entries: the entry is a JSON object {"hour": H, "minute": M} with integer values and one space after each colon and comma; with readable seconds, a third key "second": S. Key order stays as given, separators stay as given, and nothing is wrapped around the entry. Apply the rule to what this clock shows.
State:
{"hour": 7, "minute": 20, "second": 2}
